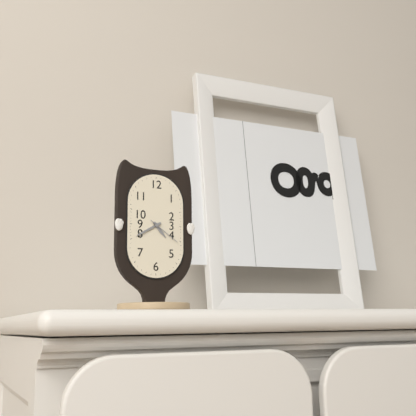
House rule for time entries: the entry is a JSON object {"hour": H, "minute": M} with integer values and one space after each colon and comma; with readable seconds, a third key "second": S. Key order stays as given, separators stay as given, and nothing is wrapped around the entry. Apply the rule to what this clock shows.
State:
{"hour": 4, "minute": 40}
